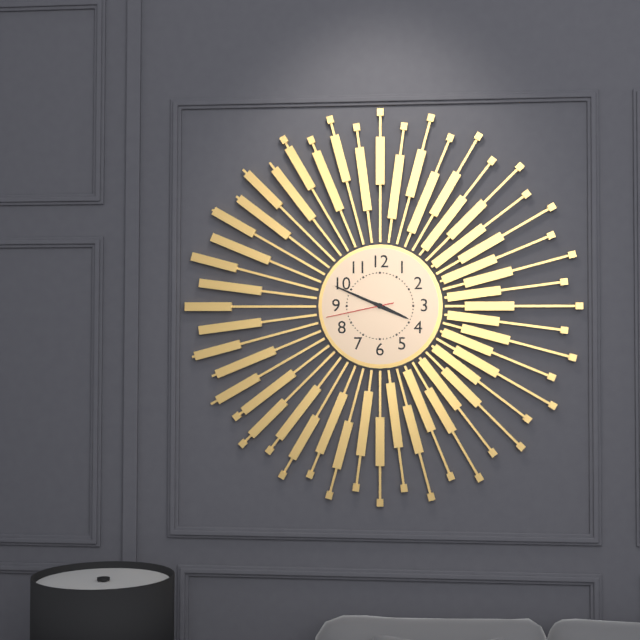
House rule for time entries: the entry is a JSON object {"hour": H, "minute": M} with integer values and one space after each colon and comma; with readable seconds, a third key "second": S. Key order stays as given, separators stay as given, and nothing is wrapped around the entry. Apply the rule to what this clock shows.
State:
{"hour": 3, "minute": 49, "second": 43}
